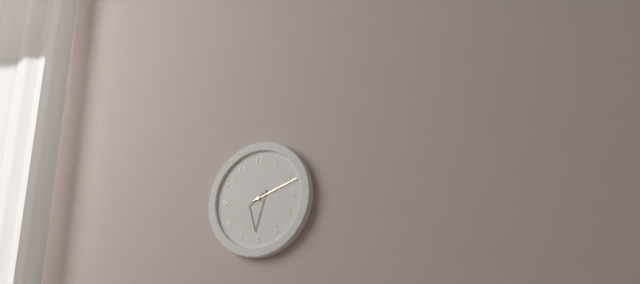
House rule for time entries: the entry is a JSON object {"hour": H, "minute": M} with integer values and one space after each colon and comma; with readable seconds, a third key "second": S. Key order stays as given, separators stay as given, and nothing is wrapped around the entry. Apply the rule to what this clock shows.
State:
{"hour": 6, "minute": 12}
